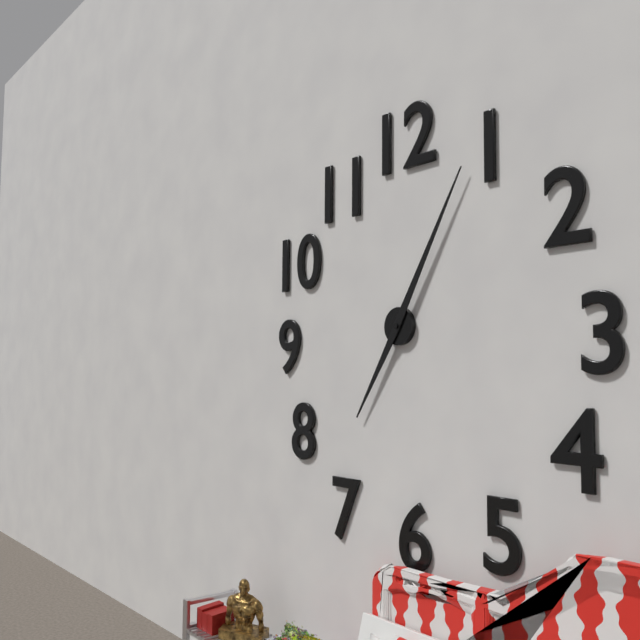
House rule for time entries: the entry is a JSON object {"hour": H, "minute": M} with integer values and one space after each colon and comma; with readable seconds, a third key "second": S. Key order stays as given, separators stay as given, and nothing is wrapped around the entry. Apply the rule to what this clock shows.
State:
{"hour": 7, "minute": 5}
